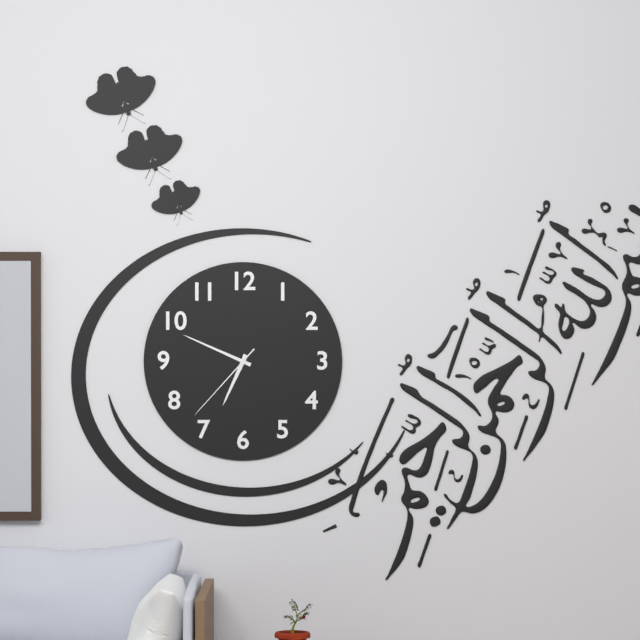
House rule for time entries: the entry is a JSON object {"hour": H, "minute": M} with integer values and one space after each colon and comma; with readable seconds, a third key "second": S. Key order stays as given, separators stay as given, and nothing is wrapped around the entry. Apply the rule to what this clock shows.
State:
{"hour": 6, "minute": 49, "second": 37}
